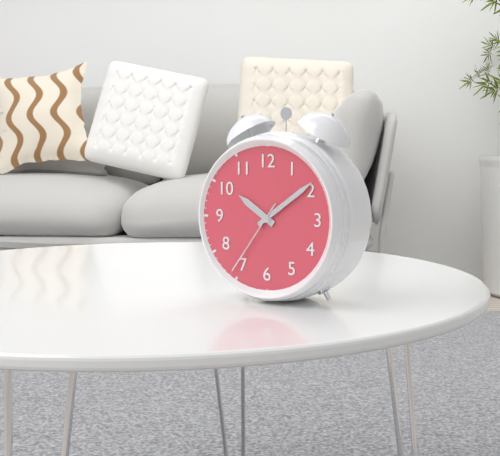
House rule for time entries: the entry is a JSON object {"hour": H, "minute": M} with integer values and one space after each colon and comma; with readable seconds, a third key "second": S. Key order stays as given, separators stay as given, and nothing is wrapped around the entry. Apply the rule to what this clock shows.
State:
{"hour": 10, "minute": 9, "second": 36}
